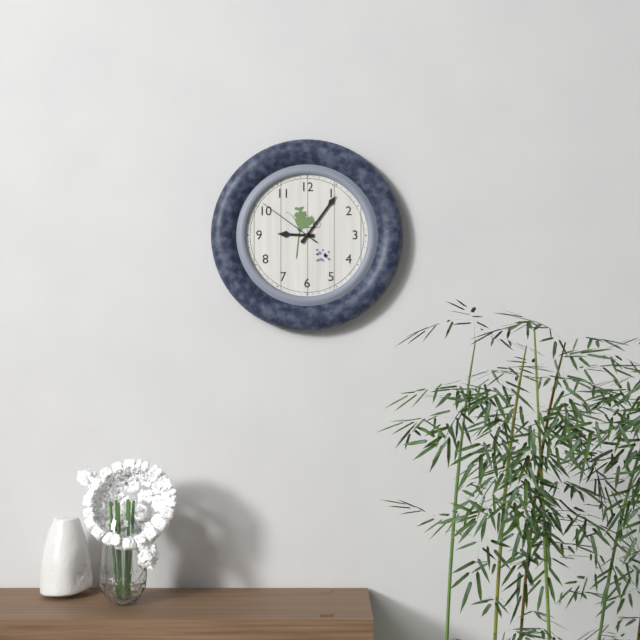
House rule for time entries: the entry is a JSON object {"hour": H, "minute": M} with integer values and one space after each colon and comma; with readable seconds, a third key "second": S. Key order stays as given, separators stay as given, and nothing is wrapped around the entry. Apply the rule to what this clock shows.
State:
{"hour": 9, "minute": 6, "second": 51}
